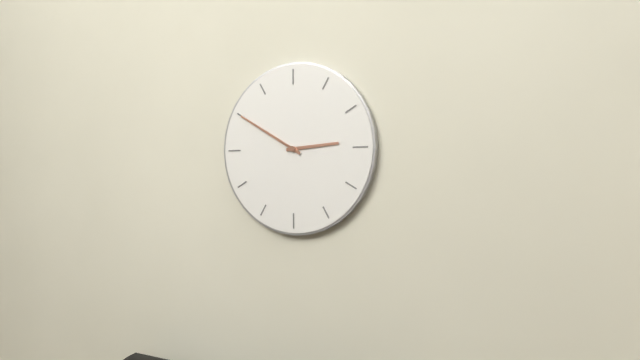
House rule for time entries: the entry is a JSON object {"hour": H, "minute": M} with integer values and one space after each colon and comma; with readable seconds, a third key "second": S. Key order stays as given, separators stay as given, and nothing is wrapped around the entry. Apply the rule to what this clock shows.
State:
{"hour": 2, "minute": 50}
